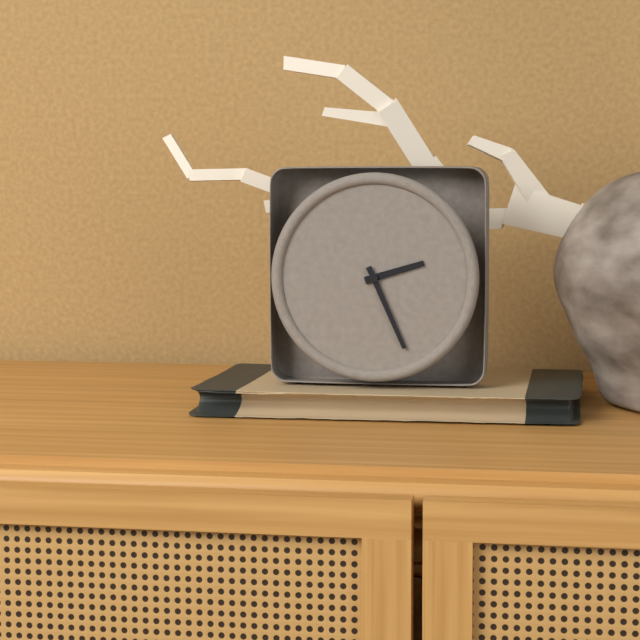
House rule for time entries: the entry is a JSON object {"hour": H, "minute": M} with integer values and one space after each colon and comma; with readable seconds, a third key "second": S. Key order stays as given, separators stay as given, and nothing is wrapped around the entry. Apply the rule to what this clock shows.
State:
{"hour": 2, "minute": 26}
